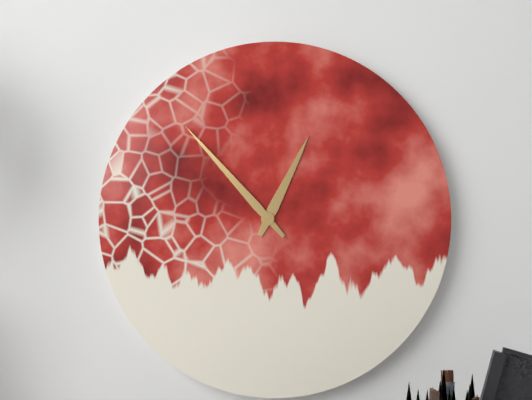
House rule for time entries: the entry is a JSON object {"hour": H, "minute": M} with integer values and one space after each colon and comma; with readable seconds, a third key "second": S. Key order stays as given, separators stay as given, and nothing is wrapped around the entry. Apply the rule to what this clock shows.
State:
{"hour": 12, "minute": 53}
